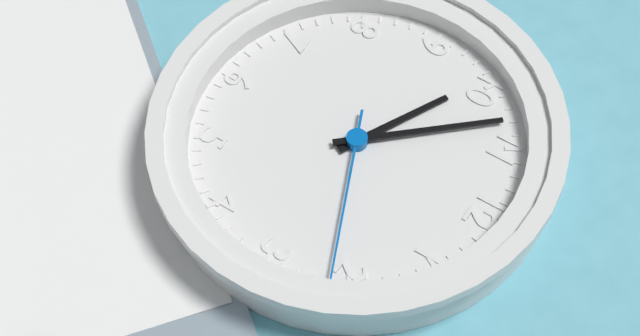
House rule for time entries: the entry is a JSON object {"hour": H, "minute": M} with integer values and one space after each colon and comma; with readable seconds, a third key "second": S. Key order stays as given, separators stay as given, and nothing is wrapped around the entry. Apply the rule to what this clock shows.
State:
{"hour": 9, "minute": 53, "second": 11}
